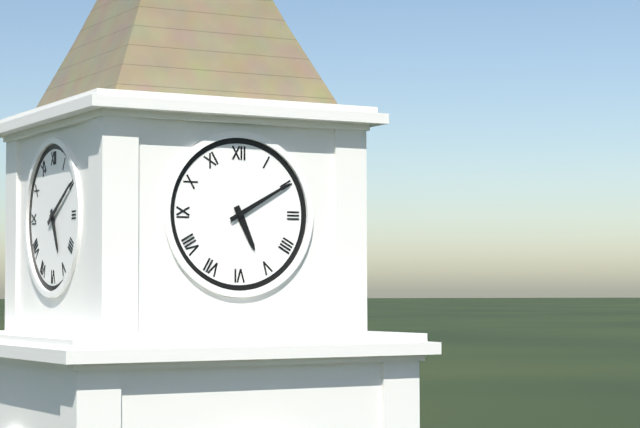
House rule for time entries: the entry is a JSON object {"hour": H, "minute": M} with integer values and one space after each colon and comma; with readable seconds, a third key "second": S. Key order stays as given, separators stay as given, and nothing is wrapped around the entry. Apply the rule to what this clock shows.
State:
{"hour": 5, "minute": 10}
